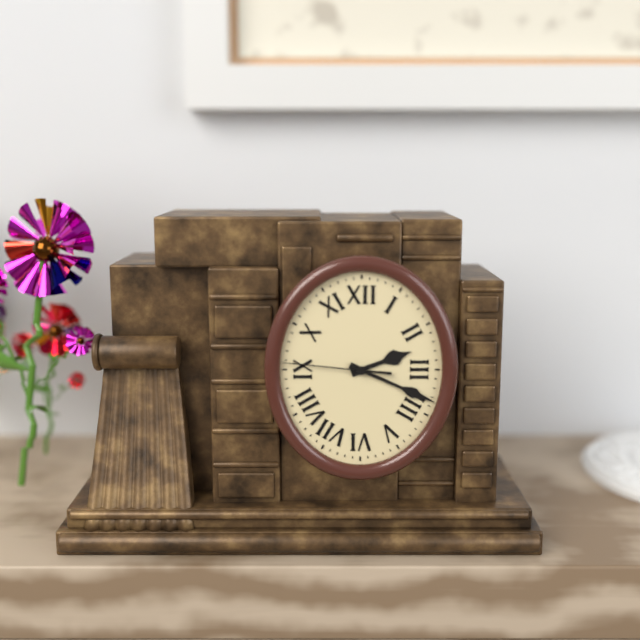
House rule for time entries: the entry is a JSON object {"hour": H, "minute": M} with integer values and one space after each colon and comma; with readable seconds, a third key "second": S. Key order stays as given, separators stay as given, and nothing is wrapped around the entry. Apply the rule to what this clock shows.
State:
{"hour": 2, "minute": 19, "second": 46}
